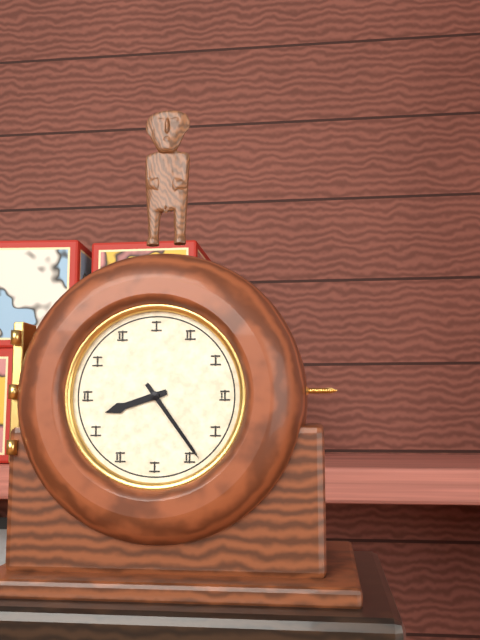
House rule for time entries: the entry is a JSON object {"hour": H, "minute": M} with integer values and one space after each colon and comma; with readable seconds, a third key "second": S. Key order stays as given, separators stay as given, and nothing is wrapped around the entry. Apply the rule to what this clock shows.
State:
{"hour": 8, "minute": 24}
